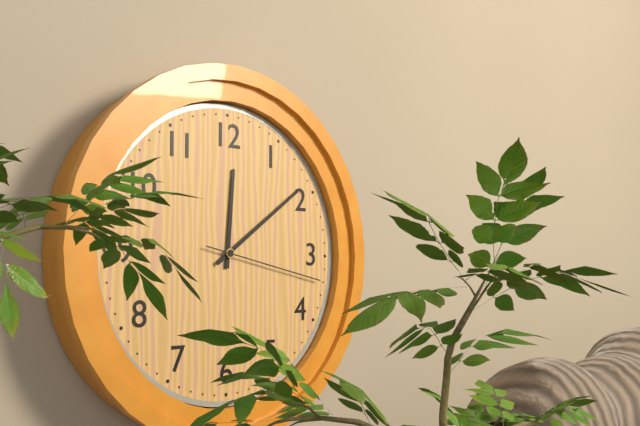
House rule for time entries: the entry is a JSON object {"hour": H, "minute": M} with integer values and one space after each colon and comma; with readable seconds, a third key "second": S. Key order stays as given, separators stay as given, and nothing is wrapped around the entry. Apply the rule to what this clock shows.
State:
{"hour": 12, "minute": 9, "second": 17}
